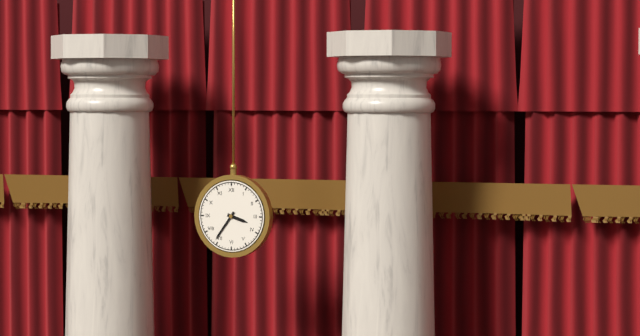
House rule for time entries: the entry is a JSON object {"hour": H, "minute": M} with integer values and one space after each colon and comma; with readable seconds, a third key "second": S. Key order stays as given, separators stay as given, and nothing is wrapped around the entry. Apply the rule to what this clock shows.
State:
{"hour": 3, "minute": 36}
